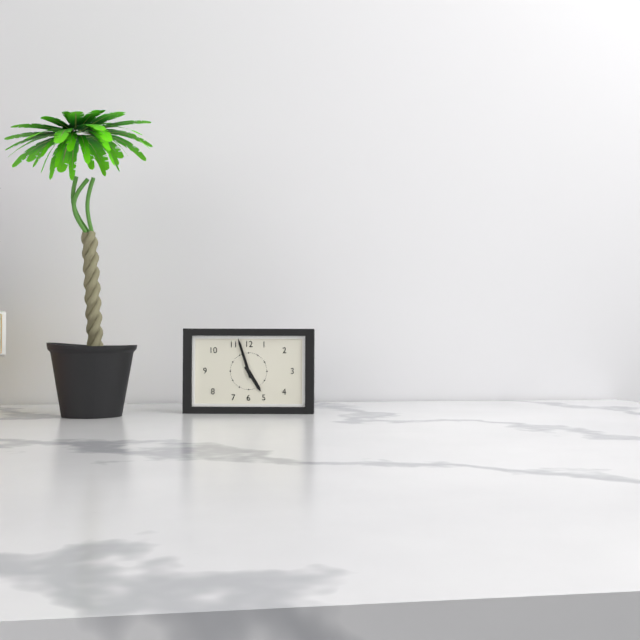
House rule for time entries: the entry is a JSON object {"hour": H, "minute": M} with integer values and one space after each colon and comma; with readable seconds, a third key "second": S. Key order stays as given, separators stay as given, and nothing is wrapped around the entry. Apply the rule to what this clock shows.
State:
{"hour": 4, "minute": 57}
